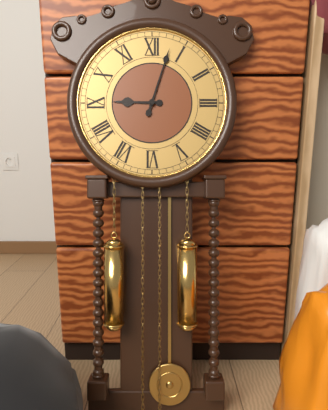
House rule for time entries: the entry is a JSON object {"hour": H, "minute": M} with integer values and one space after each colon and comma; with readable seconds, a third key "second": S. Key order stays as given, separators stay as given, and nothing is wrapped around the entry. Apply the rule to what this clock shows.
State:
{"hour": 9, "minute": 3}
